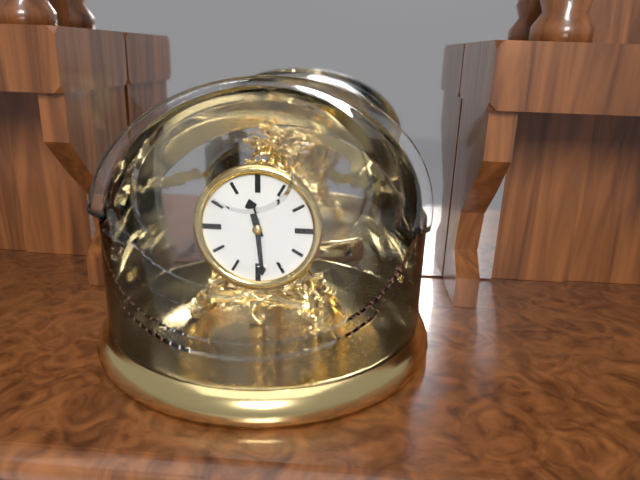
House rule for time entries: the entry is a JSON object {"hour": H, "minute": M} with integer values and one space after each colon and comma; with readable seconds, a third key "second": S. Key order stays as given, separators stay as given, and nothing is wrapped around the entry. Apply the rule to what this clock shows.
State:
{"hour": 11, "minute": 29}
